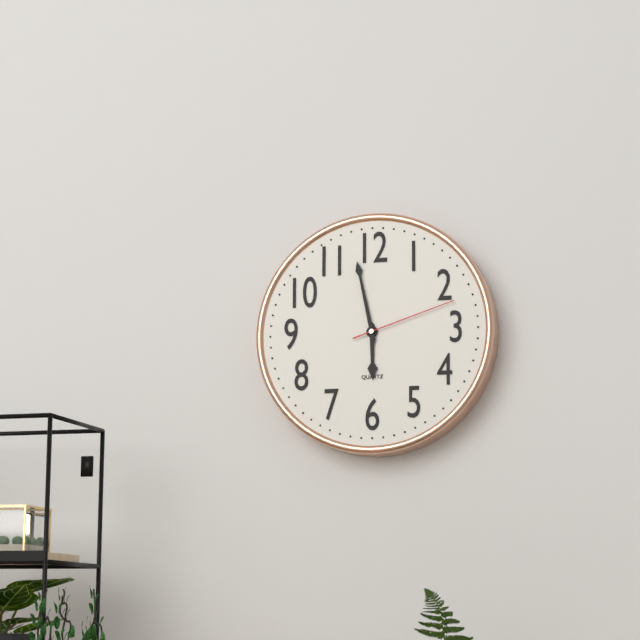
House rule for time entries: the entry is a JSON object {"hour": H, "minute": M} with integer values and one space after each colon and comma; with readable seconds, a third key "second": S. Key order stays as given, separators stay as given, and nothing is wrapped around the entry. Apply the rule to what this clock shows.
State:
{"hour": 5, "minute": 58, "second": 12}
